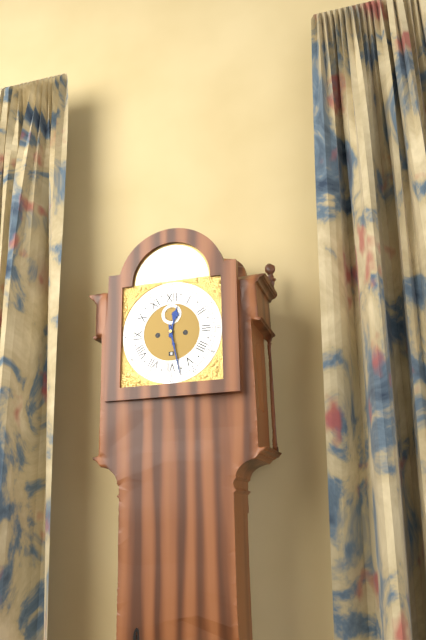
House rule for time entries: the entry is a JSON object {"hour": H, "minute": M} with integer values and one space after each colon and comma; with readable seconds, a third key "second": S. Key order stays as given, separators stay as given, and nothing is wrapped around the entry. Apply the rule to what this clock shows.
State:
{"hour": 12, "minute": 28}
